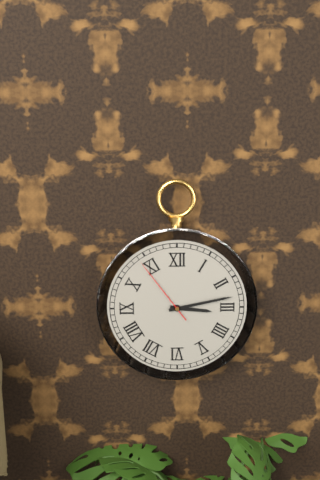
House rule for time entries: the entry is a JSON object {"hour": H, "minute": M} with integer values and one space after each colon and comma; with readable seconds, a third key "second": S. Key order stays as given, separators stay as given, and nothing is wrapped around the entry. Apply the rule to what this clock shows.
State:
{"hour": 3, "minute": 13, "second": 54}
